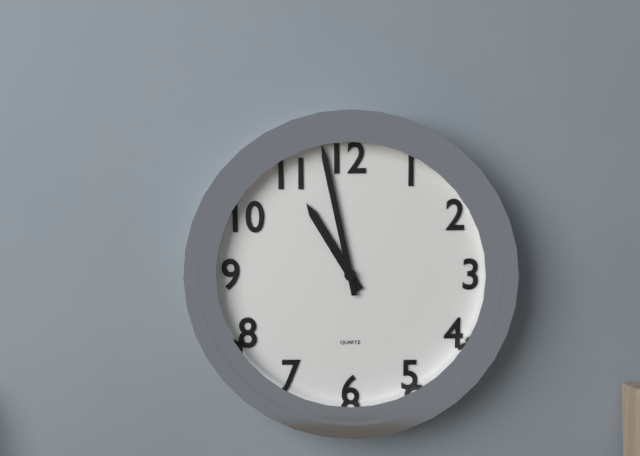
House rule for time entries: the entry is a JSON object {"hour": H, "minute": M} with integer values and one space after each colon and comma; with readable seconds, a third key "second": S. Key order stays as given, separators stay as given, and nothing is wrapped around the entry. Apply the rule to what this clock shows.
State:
{"hour": 10, "minute": 58}
